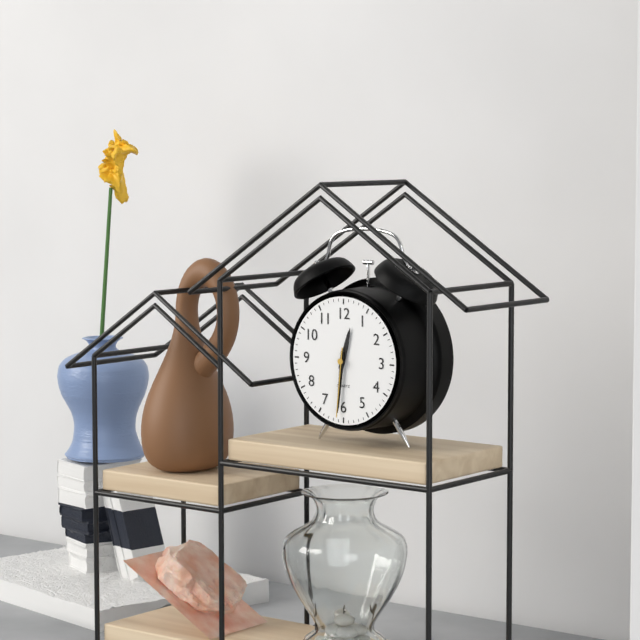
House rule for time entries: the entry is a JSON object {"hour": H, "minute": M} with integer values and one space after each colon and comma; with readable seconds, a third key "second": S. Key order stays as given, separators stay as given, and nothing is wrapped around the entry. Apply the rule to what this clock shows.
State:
{"hour": 12, "minute": 31, "second": 31}
